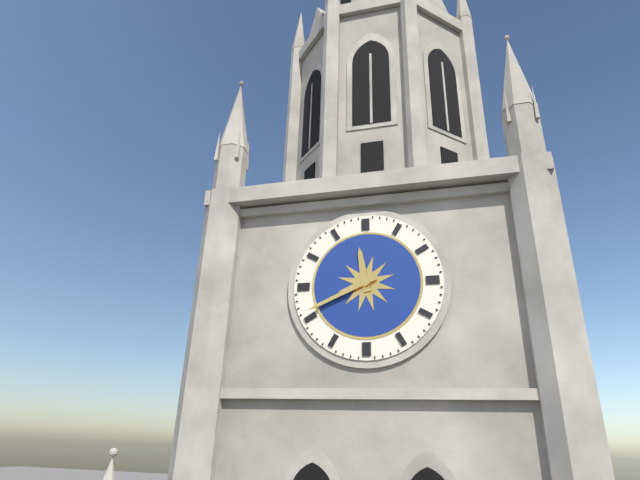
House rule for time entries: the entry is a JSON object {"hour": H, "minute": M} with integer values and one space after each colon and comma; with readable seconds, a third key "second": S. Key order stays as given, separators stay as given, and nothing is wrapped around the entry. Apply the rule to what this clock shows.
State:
{"hour": 11, "minute": 41}
